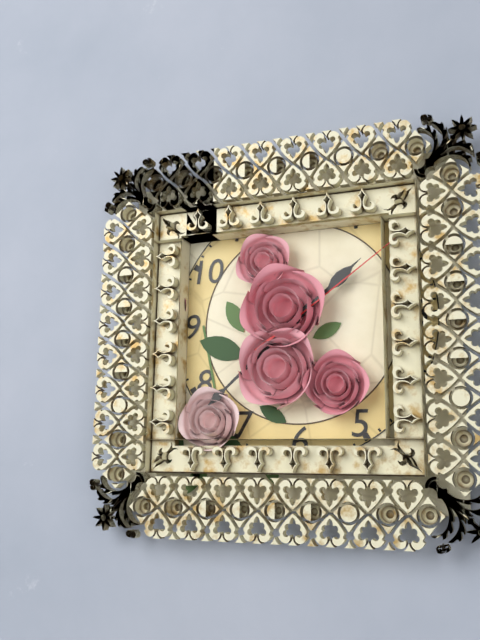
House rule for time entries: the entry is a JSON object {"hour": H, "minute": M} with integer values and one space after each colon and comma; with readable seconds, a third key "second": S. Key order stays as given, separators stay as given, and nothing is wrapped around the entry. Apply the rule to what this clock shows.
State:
{"hour": 1, "minute": 38, "second": 9}
